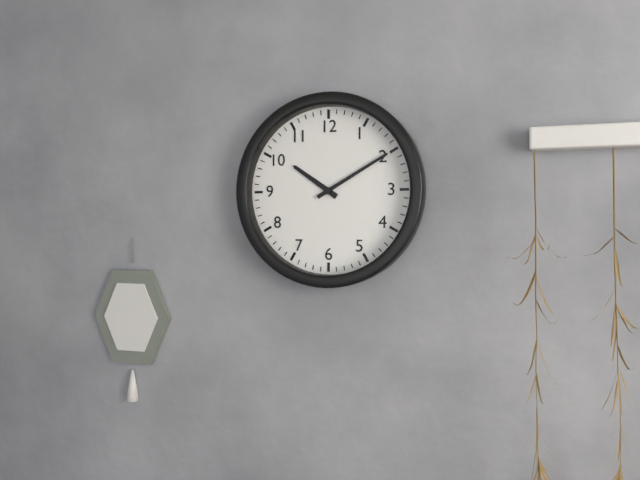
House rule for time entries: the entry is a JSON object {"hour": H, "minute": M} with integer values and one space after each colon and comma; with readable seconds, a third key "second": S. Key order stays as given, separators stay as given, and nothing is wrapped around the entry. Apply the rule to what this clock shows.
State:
{"hour": 10, "minute": 10}
